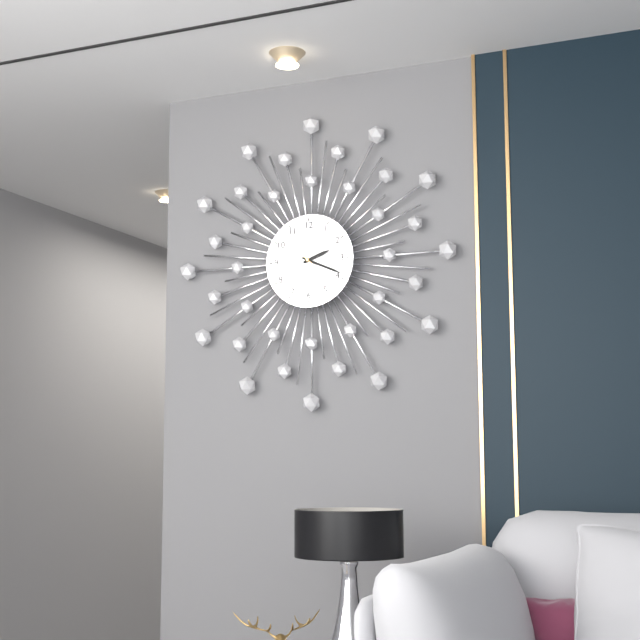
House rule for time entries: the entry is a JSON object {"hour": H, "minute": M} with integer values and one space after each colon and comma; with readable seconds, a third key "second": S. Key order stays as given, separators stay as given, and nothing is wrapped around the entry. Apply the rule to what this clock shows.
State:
{"hour": 2, "minute": 19}
